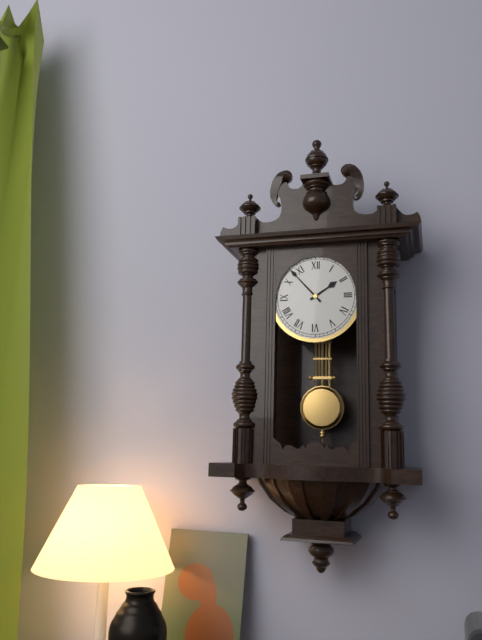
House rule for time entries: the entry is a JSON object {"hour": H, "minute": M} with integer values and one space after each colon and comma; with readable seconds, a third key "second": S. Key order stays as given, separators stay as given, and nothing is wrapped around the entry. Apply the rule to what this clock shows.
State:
{"hour": 1, "minute": 53}
